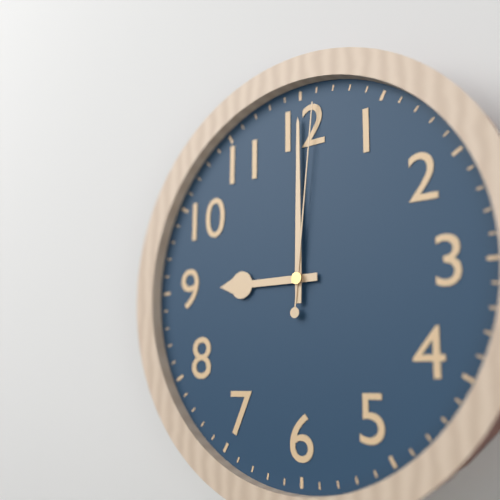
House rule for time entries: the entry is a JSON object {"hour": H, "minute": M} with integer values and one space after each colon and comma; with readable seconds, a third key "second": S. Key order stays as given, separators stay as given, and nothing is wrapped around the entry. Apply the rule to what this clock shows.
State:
{"hour": 9, "minute": 0, "second": 1}
